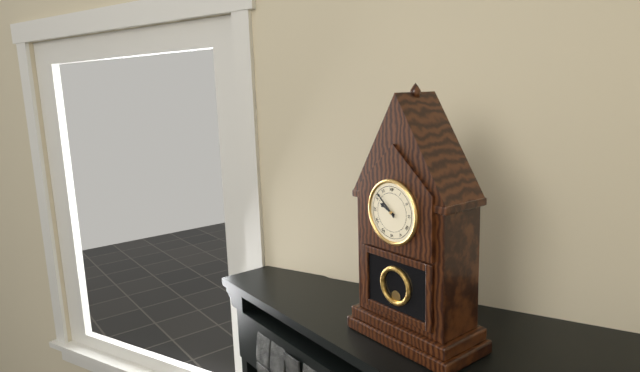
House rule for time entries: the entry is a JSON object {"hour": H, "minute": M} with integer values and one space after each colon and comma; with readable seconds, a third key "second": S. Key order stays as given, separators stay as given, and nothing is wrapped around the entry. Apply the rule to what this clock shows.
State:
{"hour": 9, "minute": 52}
